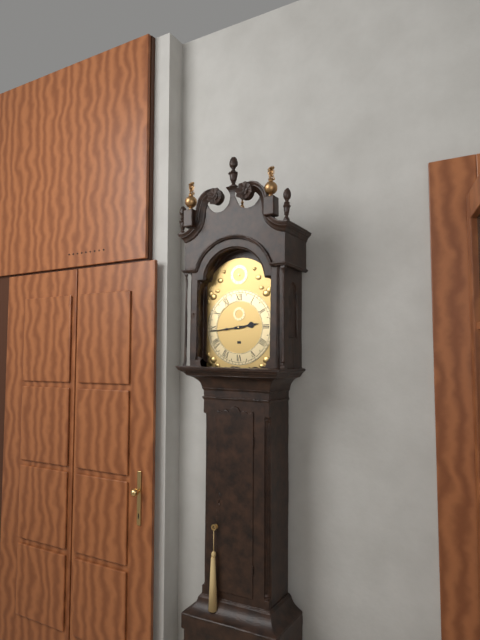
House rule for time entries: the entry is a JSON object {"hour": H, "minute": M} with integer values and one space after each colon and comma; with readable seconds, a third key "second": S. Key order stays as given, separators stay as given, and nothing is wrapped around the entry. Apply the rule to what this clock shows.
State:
{"hour": 2, "minute": 44}
